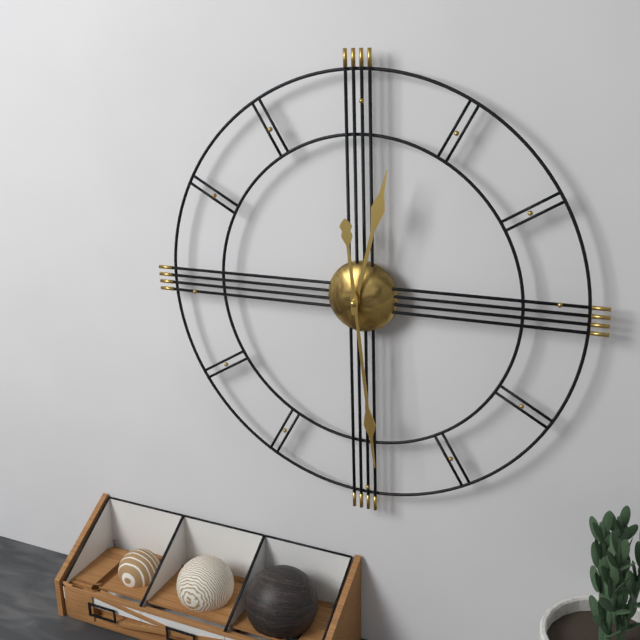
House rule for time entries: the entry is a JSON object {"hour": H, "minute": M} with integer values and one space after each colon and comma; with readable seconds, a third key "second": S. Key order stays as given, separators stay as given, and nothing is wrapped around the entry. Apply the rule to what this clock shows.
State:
{"hour": 12, "minute": 29}
